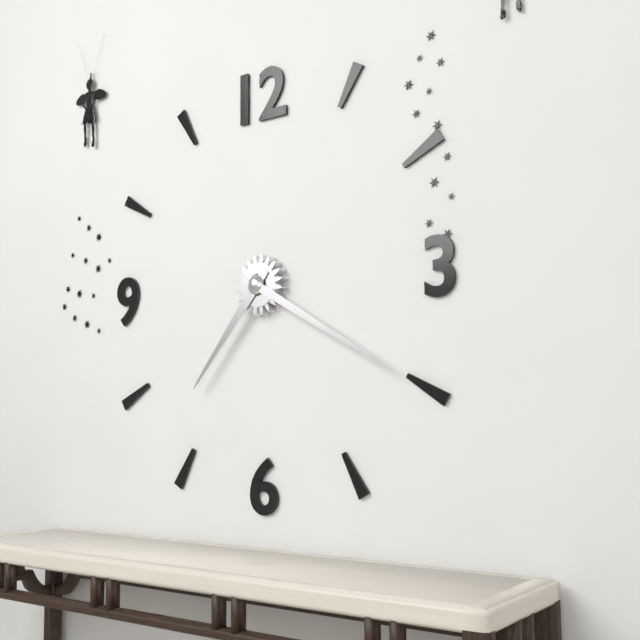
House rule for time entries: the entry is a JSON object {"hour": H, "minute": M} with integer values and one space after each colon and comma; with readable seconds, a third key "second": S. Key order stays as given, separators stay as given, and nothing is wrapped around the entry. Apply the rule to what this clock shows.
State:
{"hour": 7, "minute": 20}
